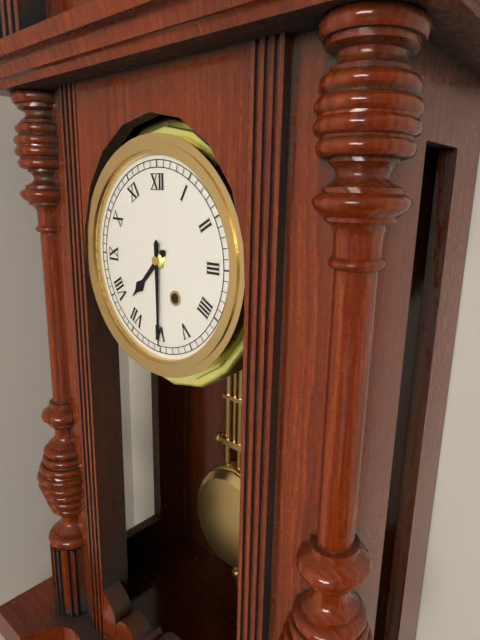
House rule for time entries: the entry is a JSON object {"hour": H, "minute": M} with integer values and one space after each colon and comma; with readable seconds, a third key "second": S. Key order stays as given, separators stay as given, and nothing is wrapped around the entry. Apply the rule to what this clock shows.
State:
{"hour": 7, "minute": 30}
